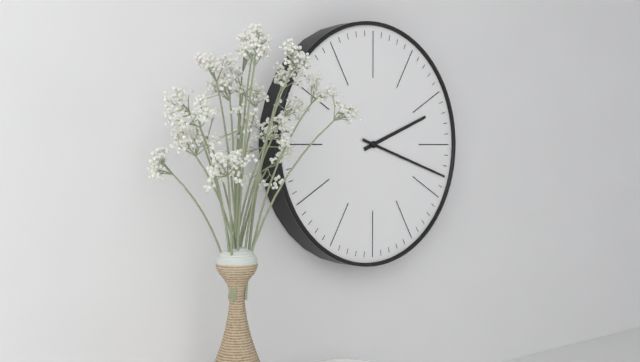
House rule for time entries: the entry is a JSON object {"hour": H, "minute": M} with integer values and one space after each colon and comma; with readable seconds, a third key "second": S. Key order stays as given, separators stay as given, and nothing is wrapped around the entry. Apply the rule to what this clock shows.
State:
{"hour": 2, "minute": 18}
